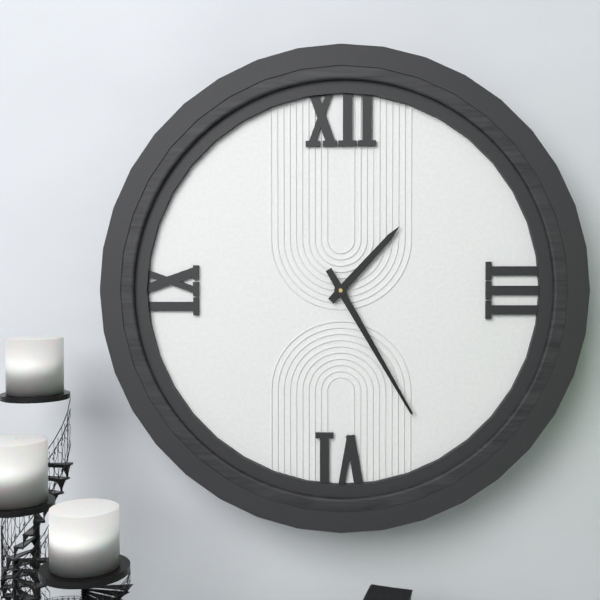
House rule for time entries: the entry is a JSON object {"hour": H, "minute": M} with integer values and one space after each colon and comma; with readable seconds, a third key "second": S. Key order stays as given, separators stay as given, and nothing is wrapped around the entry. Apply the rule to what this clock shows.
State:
{"hour": 1, "minute": 25}
